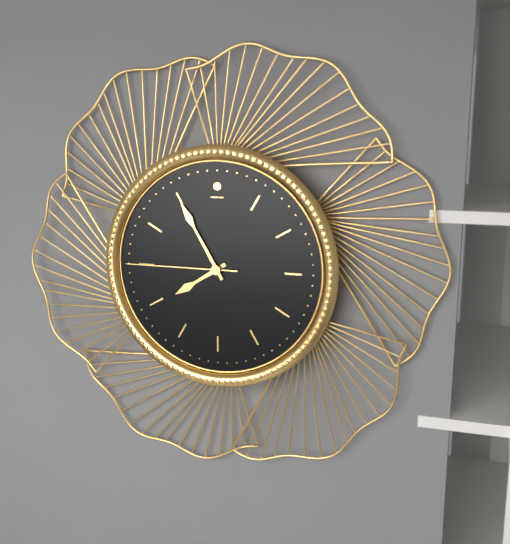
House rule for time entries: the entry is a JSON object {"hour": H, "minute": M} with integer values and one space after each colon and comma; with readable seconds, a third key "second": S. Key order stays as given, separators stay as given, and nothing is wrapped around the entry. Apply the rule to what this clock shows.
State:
{"hour": 7, "minute": 55, "second": 45}
